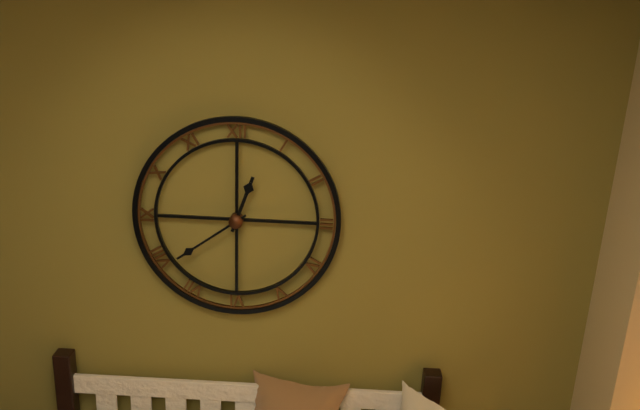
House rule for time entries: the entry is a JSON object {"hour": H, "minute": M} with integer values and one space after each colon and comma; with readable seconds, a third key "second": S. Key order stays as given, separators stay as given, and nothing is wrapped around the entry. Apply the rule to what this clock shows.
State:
{"hour": 12, "minute": 39}
